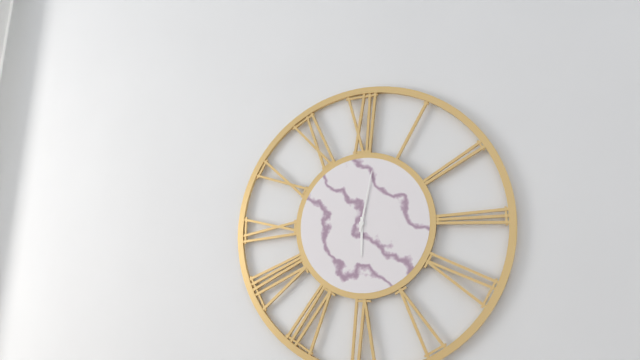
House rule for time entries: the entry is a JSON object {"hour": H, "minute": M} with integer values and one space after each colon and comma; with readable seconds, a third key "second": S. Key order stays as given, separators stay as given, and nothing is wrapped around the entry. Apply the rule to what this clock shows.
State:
{"hour": 6, "minute": 2}
